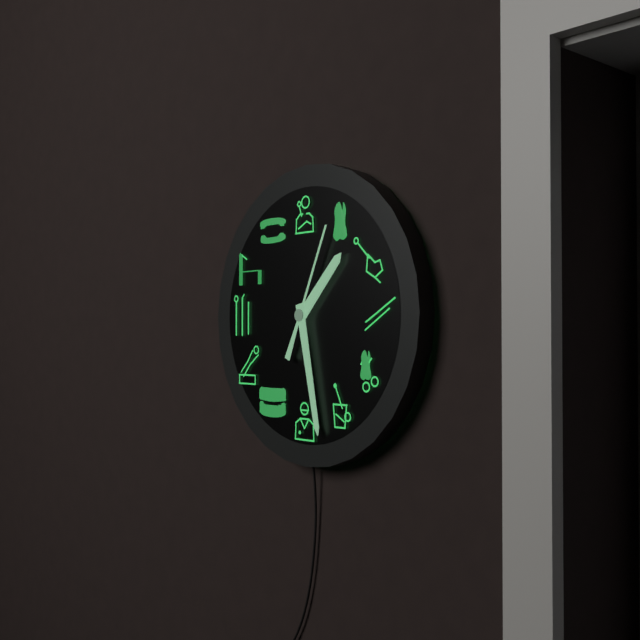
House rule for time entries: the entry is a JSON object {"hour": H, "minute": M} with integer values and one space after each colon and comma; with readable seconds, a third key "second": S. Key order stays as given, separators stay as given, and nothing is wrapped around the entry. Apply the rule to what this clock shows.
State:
{"hour": 1, "minute": 28, "second": 4}
